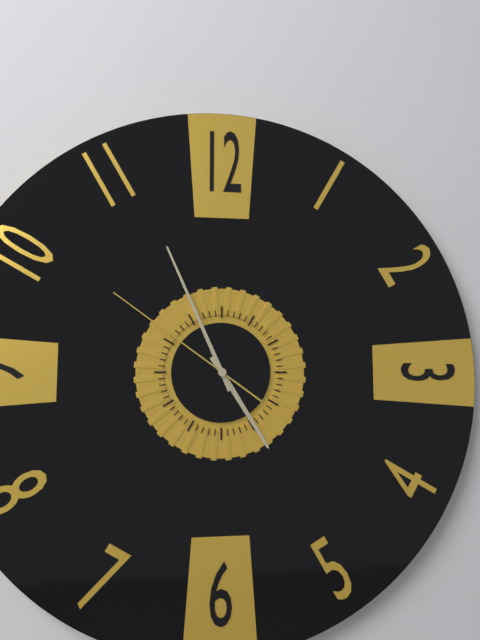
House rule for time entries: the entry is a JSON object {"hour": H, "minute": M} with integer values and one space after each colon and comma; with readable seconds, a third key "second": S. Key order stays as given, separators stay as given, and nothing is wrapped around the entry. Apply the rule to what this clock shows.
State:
{"hour": 4, "minute": 56, "second": 51}
